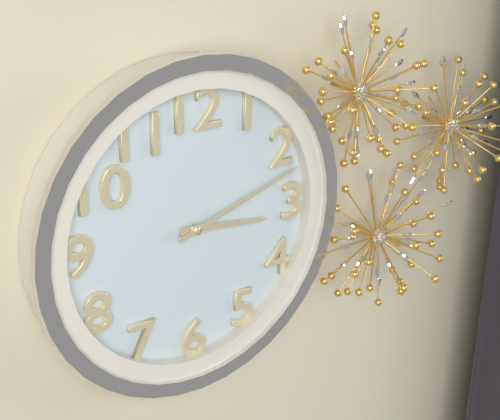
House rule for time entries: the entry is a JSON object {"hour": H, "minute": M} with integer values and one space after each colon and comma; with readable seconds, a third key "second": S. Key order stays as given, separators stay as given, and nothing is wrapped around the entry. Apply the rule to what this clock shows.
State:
{"hour": 3, "minute": 12}
